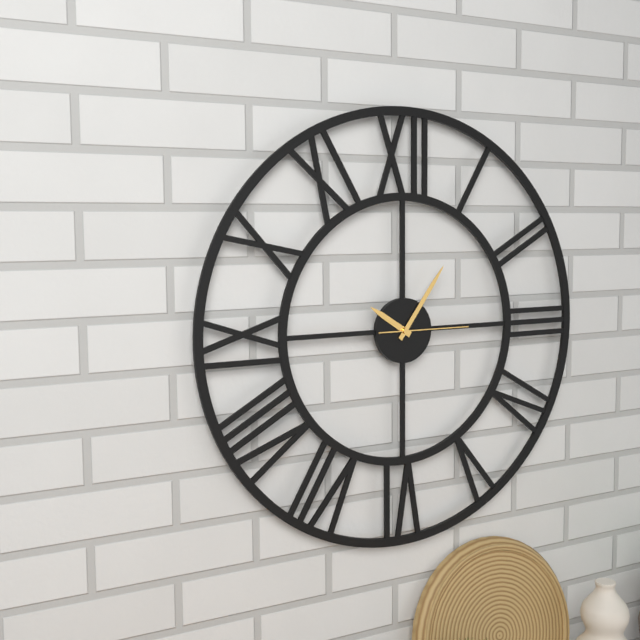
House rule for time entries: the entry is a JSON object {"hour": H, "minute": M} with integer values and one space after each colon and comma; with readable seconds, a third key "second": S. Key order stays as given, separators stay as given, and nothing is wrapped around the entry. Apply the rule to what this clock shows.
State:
{"hour": 10, "minute": 6, "second": 15}
